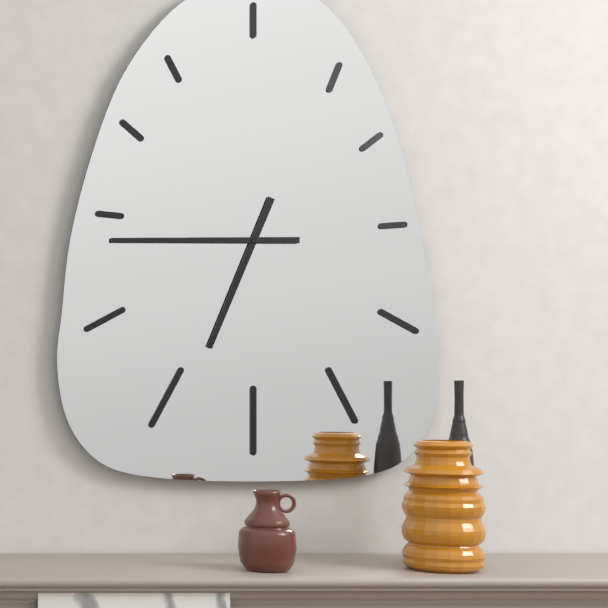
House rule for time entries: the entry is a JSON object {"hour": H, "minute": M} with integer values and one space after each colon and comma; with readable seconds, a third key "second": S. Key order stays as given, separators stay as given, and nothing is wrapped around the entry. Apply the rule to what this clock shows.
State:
{"hour": 6, "minute": 45}
